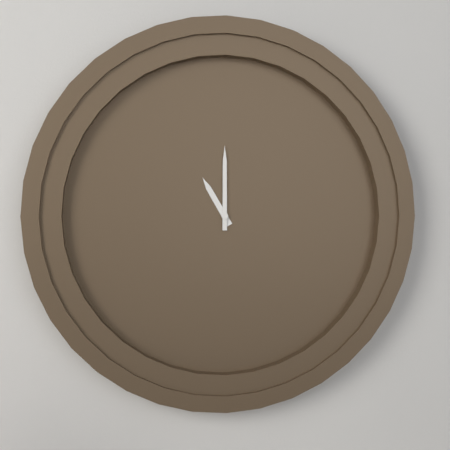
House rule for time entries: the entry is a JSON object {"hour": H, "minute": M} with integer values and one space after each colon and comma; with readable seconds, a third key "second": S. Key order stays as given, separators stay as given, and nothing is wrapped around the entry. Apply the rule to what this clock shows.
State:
{"hour": 11, "minute": 0}
